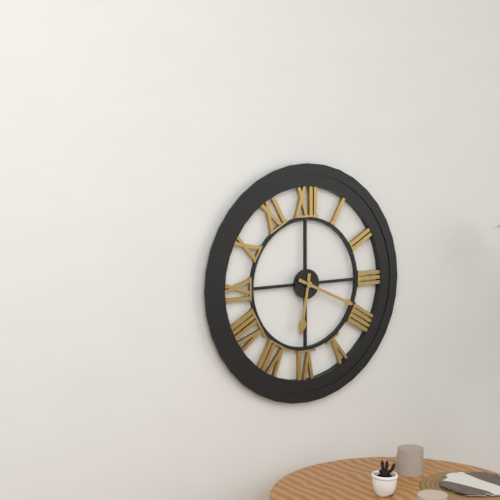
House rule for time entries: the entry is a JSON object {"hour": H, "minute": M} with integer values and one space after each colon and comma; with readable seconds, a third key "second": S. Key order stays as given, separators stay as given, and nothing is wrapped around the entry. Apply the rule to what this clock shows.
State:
{"hour": 6, "minute": 19}
